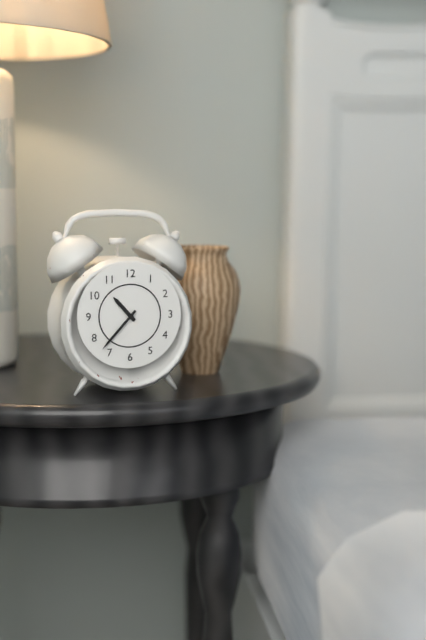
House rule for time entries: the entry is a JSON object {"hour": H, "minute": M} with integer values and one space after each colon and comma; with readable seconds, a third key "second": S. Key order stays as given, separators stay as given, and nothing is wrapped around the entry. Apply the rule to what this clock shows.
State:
{"hour": 10, "minute": 37}
